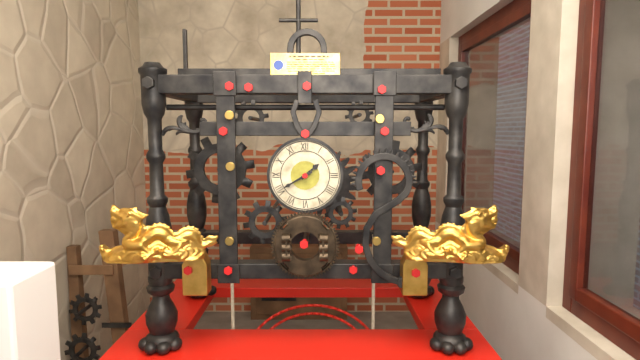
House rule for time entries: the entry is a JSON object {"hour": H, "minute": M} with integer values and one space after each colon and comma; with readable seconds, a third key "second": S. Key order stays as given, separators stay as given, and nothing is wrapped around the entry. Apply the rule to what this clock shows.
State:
{"hour": 1, "minute": 40}
